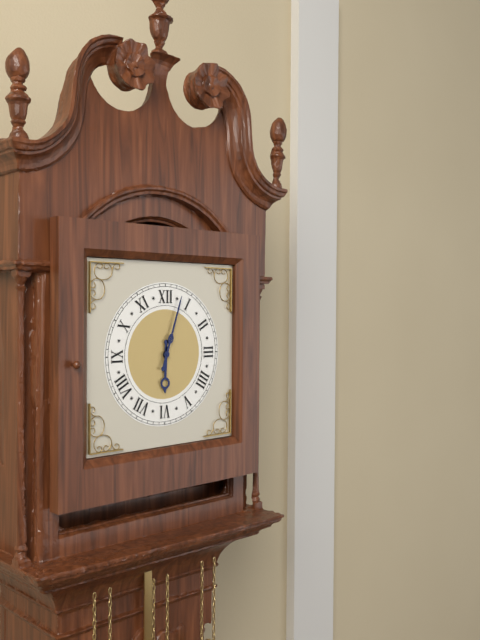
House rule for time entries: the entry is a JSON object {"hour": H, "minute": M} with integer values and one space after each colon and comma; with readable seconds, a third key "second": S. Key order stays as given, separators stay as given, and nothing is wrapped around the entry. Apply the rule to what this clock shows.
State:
{"hour": 6, "minute": 3}
